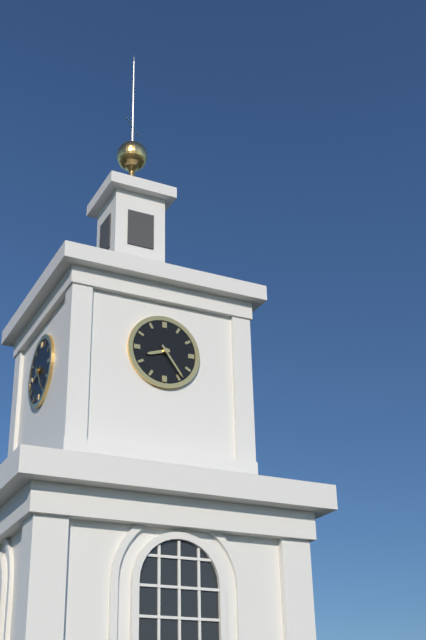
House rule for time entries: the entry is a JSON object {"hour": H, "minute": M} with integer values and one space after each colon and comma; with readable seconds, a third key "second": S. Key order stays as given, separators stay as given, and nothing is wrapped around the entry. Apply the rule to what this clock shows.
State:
{"hour": 8, "minute": 24}
